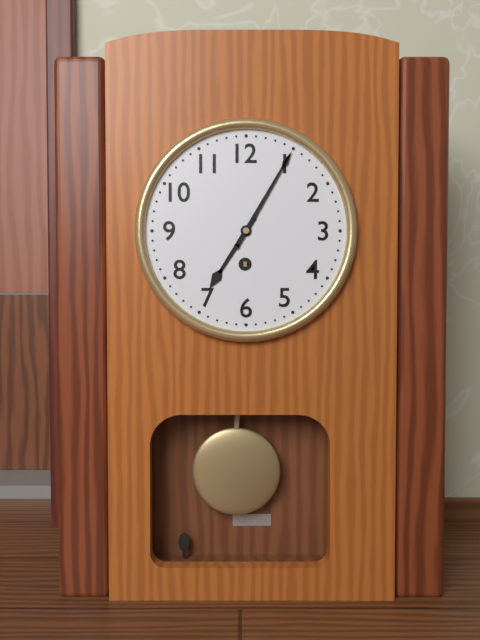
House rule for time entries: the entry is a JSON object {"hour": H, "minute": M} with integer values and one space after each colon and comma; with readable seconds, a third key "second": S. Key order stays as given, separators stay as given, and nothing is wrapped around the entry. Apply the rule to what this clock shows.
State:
{"hour": 7, "minute": 5}
